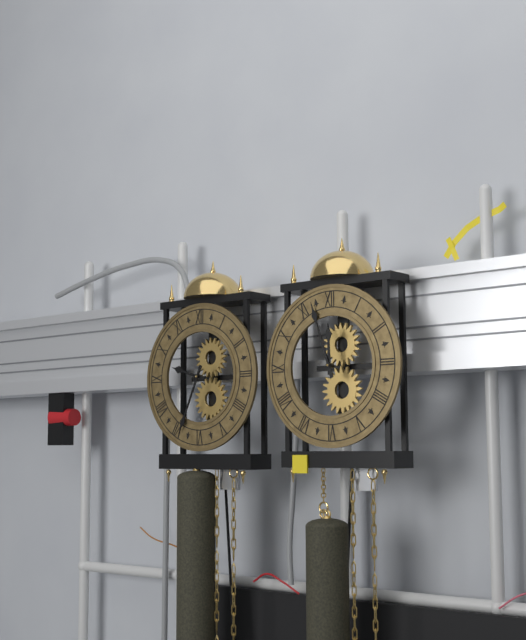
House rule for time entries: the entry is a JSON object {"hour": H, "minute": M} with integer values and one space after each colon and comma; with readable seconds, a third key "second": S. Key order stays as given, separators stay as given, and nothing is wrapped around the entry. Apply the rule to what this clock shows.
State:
{"hour": 9, "minute": 34}
